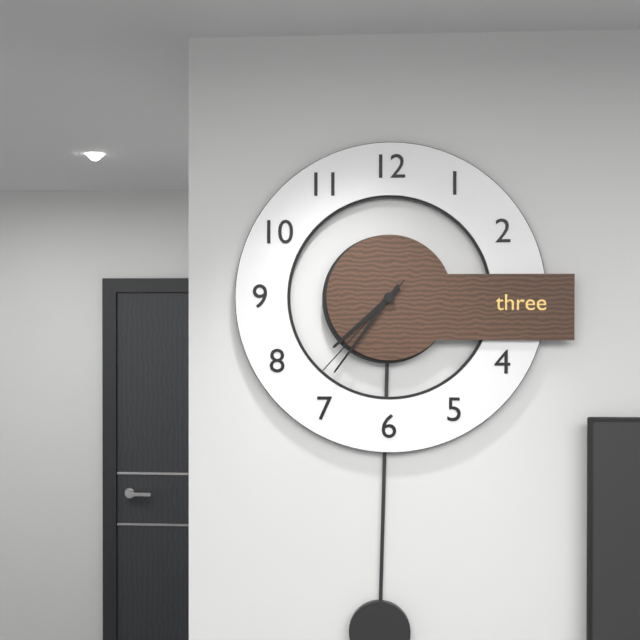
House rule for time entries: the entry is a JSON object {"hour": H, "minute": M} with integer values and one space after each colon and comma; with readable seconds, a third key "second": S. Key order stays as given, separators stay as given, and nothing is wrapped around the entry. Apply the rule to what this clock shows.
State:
{"hour": 7, "minute": 36, "second": 37}
